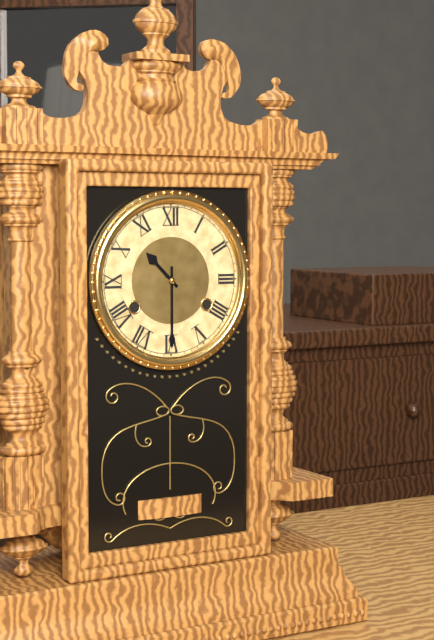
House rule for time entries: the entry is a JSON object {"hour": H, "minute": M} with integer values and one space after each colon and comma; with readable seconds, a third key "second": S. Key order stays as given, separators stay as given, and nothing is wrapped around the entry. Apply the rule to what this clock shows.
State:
{"hour": 10, "minute": 30}
